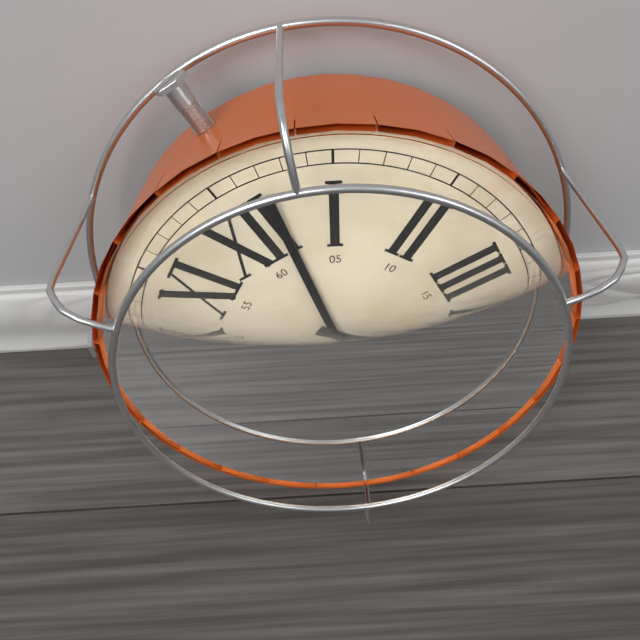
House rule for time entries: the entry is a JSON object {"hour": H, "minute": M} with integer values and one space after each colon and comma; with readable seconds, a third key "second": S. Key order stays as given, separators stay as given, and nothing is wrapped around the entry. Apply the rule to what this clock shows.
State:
{"hour": 5, "minute": 2}
